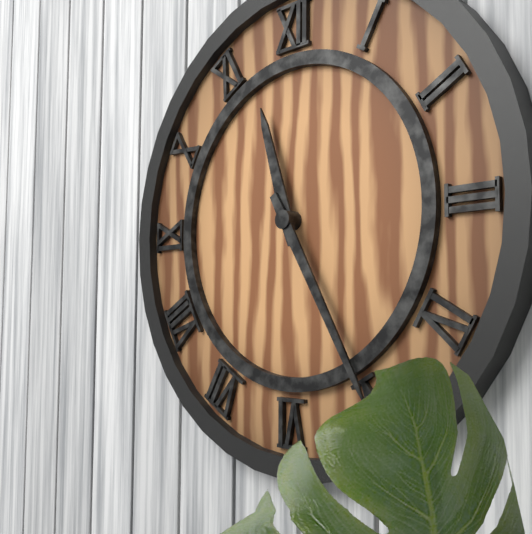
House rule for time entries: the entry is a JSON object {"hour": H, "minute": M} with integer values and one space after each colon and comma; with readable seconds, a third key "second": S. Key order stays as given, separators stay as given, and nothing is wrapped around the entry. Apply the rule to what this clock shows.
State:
{"hour": 11, "minute": 25}
